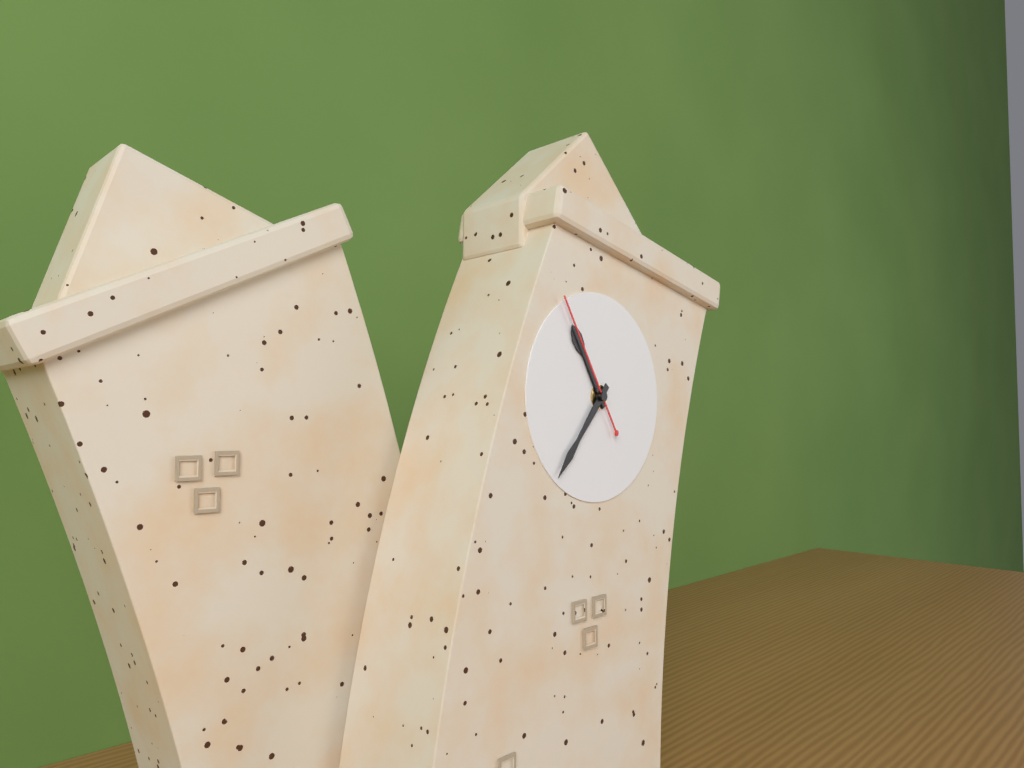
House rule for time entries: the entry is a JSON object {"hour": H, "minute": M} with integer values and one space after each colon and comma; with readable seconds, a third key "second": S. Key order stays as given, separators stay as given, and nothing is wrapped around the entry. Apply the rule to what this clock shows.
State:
{"hour": 10, "minute": 35, "second": 53}
